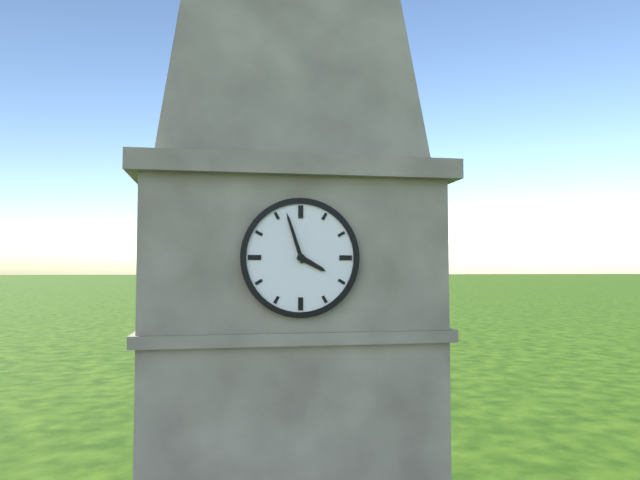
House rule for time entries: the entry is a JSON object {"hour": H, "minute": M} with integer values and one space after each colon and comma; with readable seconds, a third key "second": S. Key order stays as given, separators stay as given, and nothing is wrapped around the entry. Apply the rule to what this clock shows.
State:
{"hour": 3, "minute": 57}
